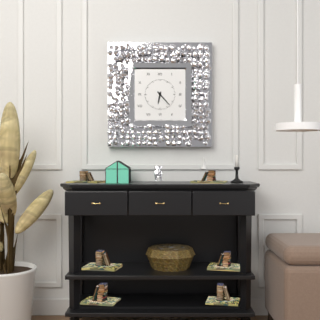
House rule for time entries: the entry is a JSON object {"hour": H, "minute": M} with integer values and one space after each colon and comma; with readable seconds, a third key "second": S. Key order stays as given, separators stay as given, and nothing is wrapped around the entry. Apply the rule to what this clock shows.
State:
{"hour": 6, "minute": 23}
